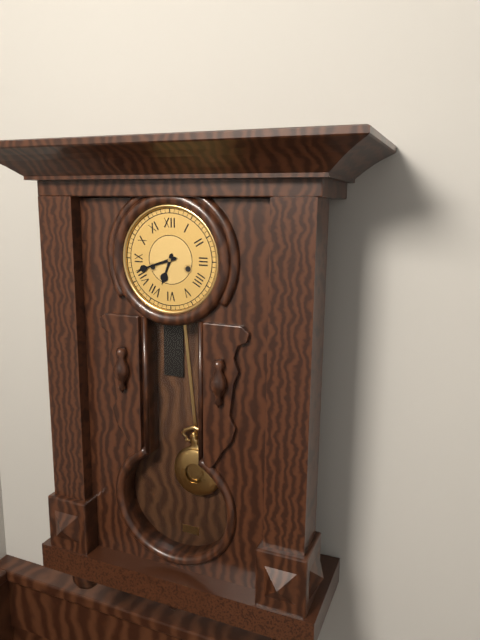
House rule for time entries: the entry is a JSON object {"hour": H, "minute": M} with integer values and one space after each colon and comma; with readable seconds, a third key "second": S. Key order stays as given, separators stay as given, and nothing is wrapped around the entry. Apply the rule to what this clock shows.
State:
{"hour": 6, "minute": 42}
